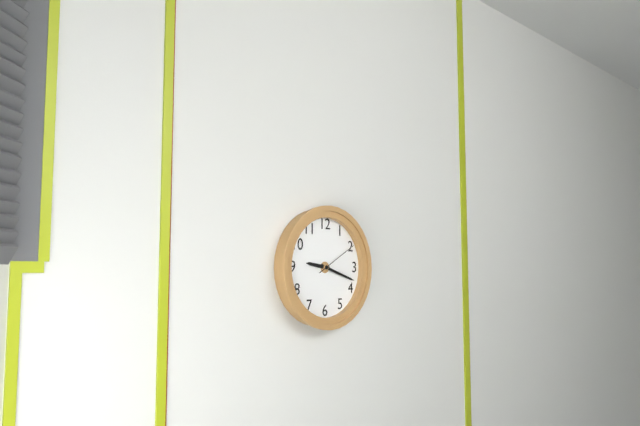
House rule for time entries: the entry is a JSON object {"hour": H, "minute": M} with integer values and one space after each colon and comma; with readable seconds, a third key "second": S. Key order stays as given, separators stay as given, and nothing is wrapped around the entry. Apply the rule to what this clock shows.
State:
{"hour": 9, "minute": 18}
